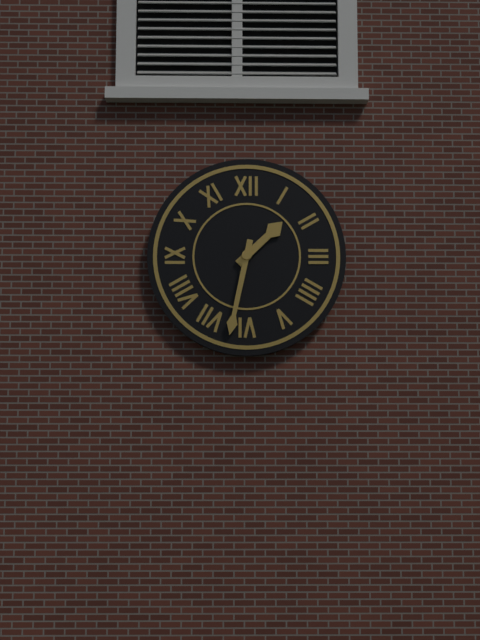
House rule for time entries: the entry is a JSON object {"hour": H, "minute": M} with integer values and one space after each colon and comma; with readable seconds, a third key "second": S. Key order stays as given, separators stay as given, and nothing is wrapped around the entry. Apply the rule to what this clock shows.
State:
{"hour": 1, "minute": 32}
